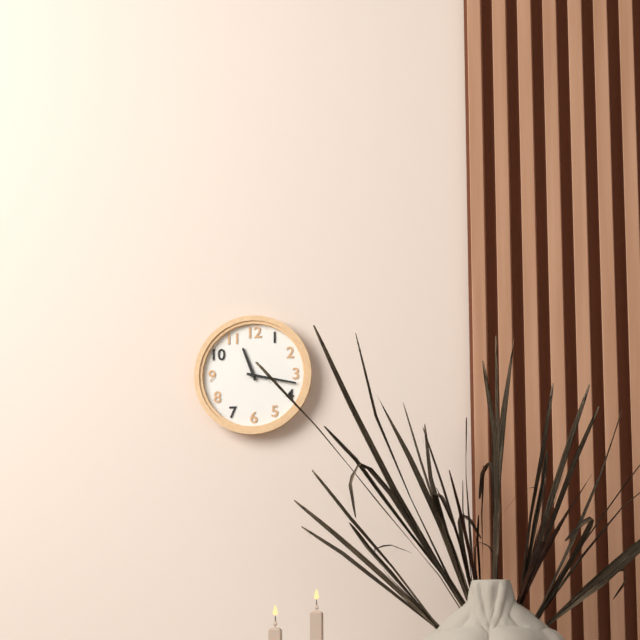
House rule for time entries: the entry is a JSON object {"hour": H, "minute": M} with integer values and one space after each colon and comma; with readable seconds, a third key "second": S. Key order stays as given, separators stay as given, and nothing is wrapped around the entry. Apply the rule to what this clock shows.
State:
{"hour": 11, "minute": 17}
